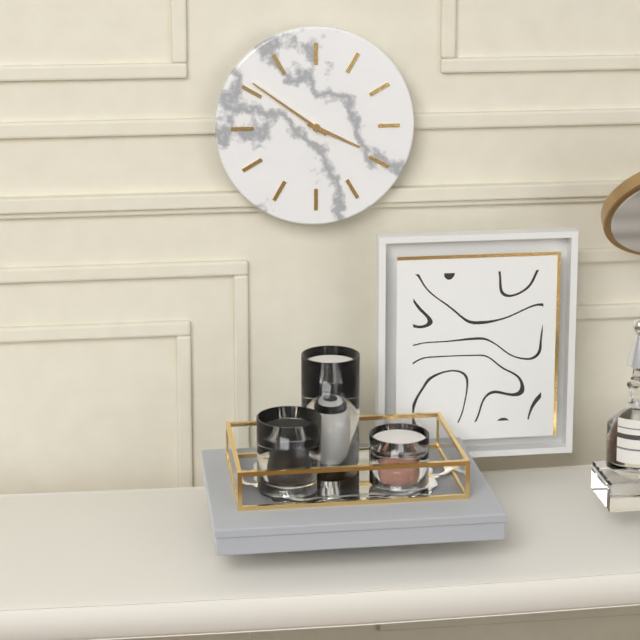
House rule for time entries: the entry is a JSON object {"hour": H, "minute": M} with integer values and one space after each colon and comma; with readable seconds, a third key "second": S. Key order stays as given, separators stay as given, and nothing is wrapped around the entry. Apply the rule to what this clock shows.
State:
{"hour": 3, "minute": 51}
